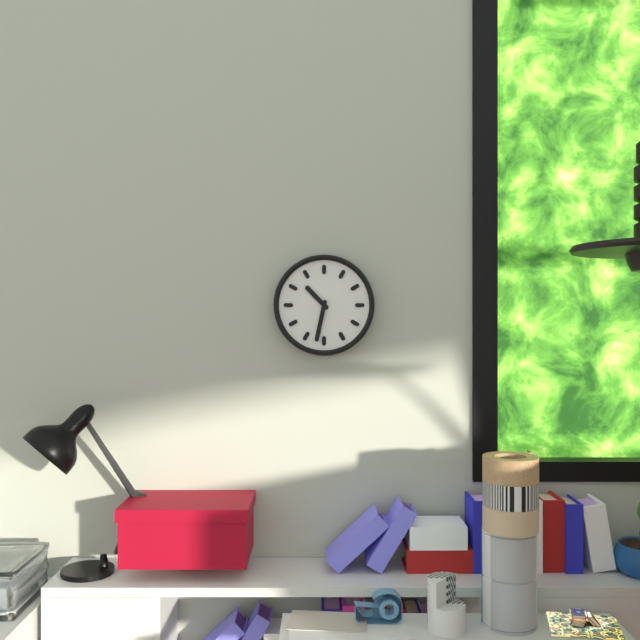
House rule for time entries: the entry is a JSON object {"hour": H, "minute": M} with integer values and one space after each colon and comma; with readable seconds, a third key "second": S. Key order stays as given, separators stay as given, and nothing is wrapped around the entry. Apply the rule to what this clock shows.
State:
{"hour": 10, "minute": 32}
